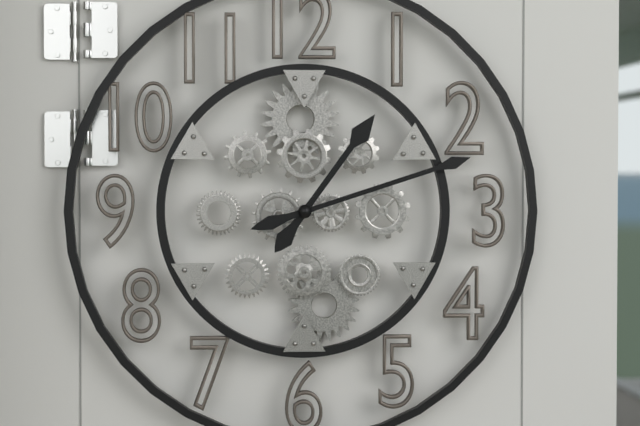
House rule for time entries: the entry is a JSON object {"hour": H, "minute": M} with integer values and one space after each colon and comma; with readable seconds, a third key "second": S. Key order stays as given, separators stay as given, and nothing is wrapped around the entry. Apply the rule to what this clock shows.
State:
{"hour": 1, "minute": 12}
